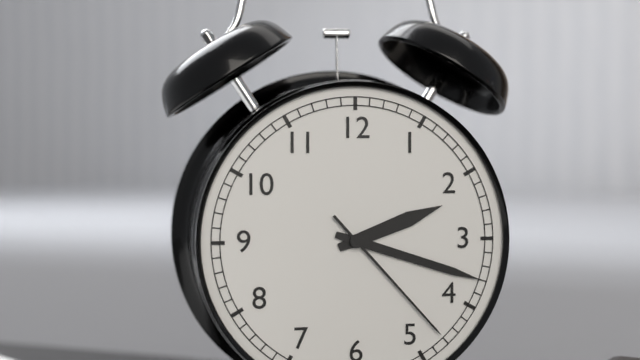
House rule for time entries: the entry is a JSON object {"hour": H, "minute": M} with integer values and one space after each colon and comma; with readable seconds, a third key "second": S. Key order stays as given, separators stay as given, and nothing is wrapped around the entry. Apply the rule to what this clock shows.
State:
{"hour": 2, "minute": 18, "second": 23}
